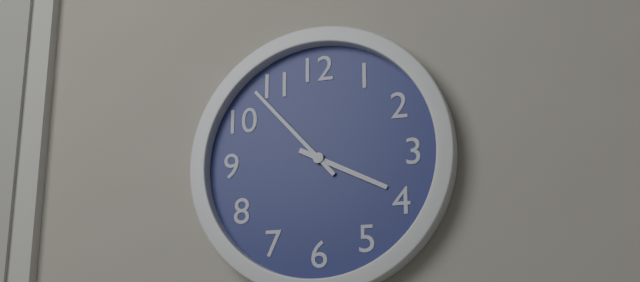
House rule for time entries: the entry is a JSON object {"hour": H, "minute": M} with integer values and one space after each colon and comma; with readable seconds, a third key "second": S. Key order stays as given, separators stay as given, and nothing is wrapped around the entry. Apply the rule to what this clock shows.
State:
{"hour": 3, "minute": 53}
